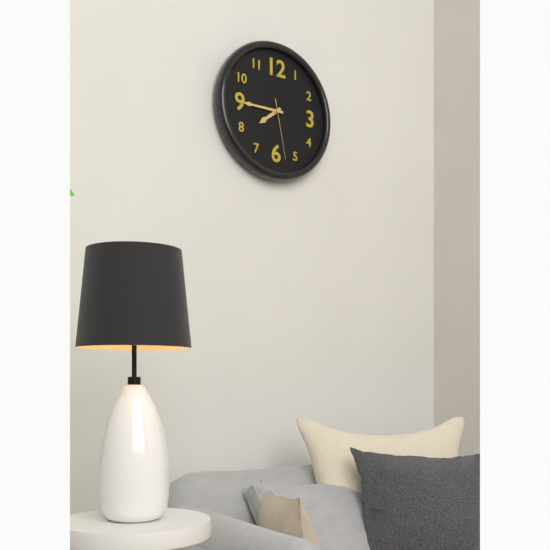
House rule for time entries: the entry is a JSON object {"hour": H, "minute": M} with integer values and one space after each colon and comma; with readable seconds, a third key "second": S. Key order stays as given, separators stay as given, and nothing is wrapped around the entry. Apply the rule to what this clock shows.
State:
{"hour": 7, "minute": 45, "second": 28}
